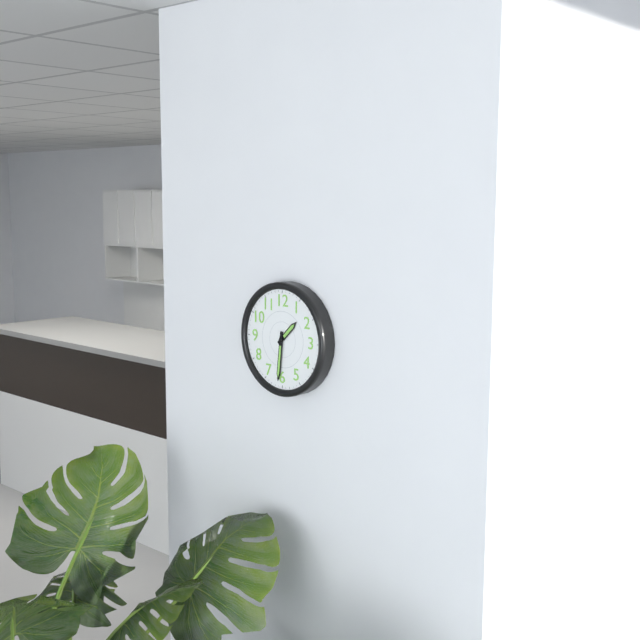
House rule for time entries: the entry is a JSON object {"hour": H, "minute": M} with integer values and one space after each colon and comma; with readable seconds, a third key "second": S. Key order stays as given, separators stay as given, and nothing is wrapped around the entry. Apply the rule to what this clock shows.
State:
{"hour": 1, "minute": 31}
